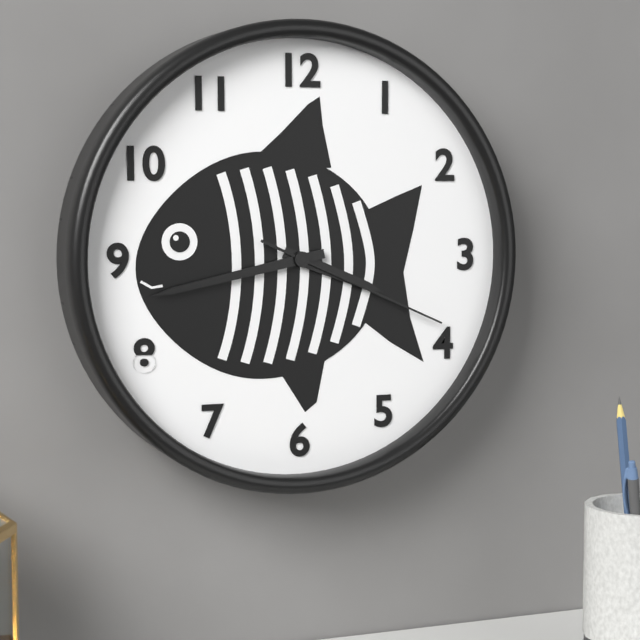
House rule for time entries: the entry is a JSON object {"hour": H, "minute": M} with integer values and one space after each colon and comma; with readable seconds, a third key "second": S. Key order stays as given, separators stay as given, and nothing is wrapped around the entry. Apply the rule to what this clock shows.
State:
{"hour": 3, "minute": 43, "second": 19}
